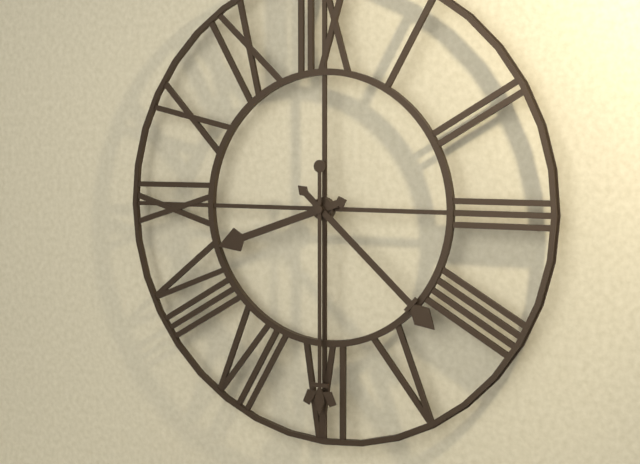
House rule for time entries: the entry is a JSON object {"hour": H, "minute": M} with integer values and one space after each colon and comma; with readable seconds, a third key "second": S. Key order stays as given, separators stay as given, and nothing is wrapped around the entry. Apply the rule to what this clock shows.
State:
{"hour": 8, "minute": 22, "second": 30}
